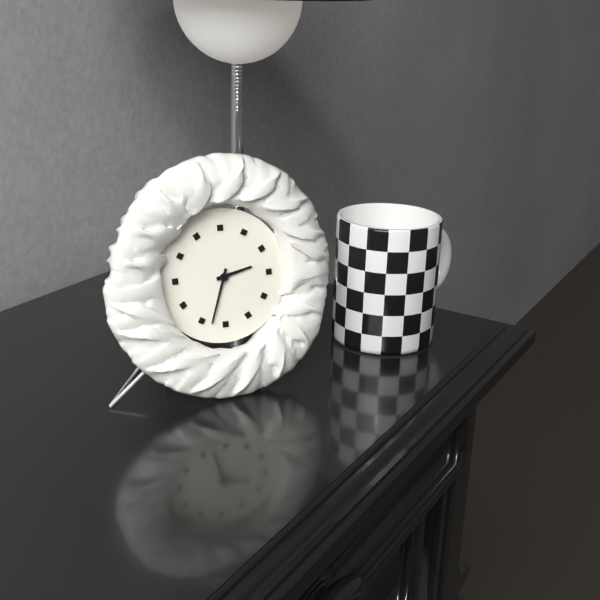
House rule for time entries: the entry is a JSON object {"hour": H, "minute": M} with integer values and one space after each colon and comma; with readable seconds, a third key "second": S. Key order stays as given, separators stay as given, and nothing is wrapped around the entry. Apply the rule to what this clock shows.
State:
{"hour": 2, "minute": 33}
